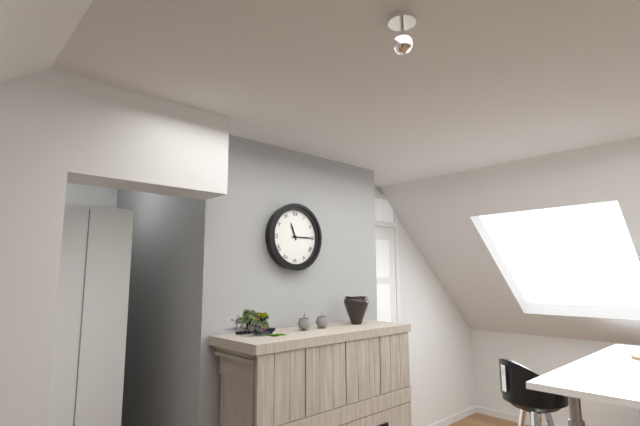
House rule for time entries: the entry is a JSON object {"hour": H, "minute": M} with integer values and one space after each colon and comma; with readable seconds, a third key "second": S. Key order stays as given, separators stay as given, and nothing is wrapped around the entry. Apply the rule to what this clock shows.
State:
{"hour": 11, "minute": 15}
